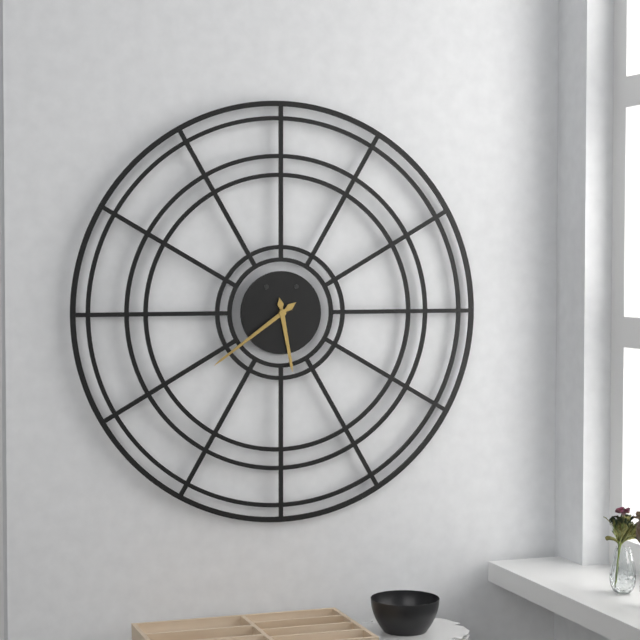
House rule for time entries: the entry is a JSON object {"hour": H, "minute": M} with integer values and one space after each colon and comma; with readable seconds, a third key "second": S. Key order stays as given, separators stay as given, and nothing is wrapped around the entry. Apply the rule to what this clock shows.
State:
{"hour": 5, "minute": 39}
